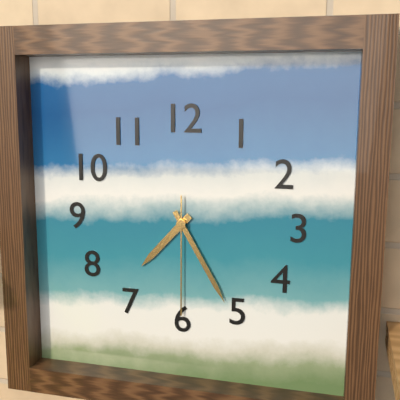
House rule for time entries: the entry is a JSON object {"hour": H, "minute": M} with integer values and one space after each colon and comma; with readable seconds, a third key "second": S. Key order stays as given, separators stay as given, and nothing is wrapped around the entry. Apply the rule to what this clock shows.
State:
{"hour": 7, "minute": 25, "second": 30}
